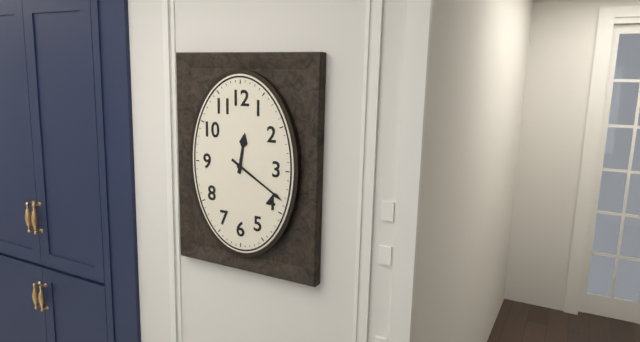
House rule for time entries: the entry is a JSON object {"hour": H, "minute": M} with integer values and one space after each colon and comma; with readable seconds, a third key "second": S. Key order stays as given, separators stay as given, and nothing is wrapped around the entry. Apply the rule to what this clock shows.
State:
{"hour": 12, "minute": 20}
